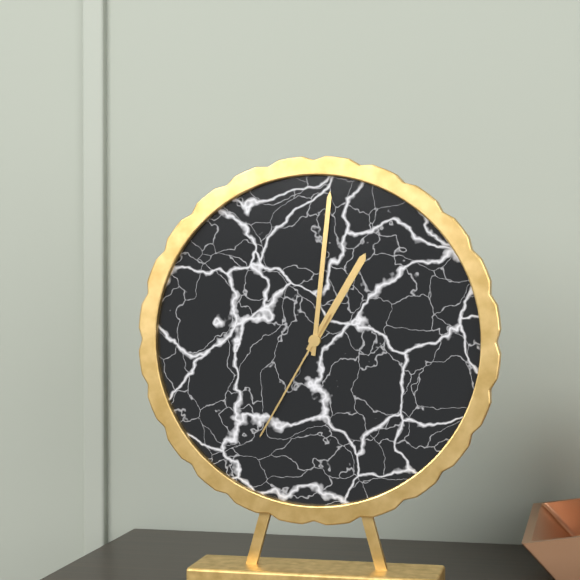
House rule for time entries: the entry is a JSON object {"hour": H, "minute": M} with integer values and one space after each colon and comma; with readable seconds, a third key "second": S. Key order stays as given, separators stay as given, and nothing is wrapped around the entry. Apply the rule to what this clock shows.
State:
{"hour": 1, "minute": 1, "second": 35}
